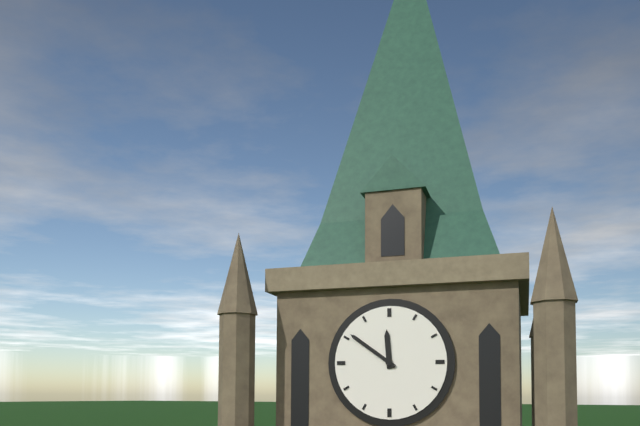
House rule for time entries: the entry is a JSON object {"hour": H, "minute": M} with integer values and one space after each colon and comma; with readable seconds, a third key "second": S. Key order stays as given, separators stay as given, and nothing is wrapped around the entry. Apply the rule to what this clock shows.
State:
{"hour": 11, "minute": 51}
